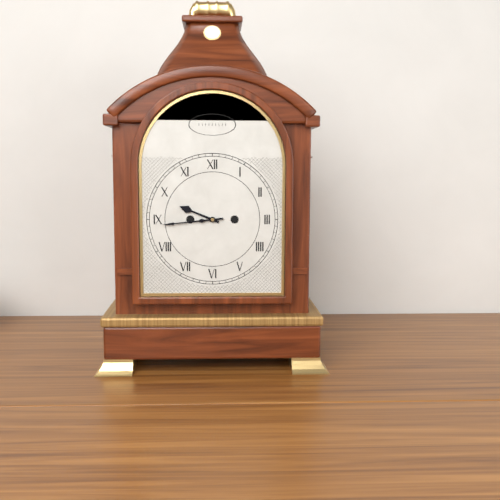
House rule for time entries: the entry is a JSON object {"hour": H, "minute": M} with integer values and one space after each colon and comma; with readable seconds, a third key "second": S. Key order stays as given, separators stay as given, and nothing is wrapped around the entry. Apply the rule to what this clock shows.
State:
{"hour": 9, "minute": 44}
